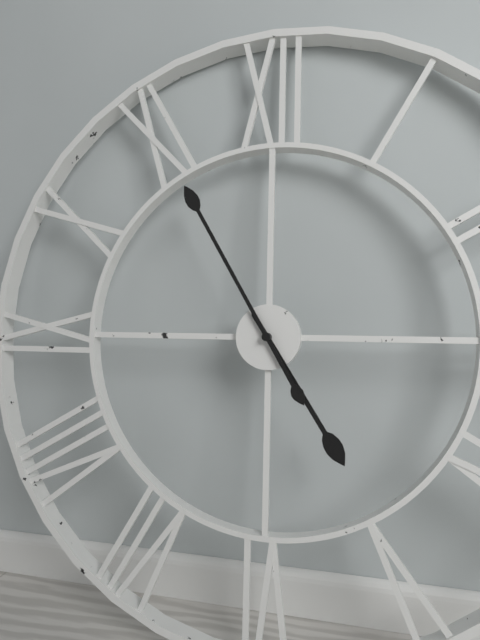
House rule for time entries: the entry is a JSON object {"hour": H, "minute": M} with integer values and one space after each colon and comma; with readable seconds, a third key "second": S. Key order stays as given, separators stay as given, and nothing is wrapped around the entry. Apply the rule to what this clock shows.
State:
{"hour": 4, "minute": 55}
